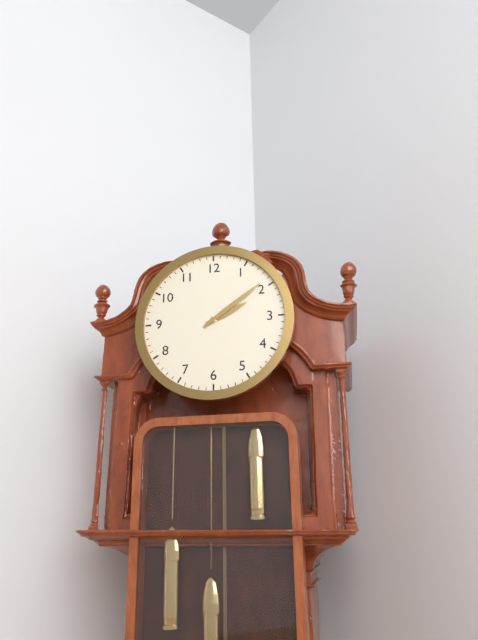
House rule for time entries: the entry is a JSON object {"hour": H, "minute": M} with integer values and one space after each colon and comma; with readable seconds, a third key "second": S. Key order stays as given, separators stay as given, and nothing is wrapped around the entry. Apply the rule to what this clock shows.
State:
{"hour": 2, "minute": 9}
